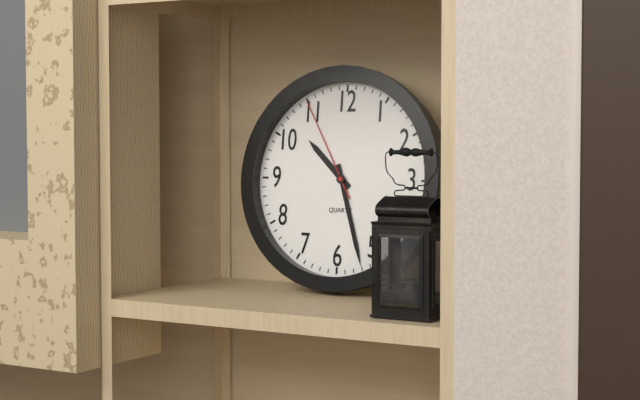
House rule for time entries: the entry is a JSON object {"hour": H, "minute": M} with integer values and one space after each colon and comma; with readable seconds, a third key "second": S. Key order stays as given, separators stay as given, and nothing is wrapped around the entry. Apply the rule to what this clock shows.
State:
{"hour": 10, "minute": 27, "second": 55}
